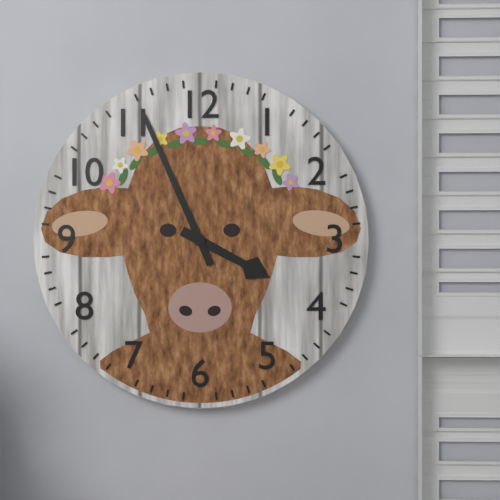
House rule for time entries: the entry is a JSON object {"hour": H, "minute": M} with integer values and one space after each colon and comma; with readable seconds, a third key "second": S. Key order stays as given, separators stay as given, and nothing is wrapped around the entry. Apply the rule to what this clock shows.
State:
{"hour": 3, "minute": 56}
